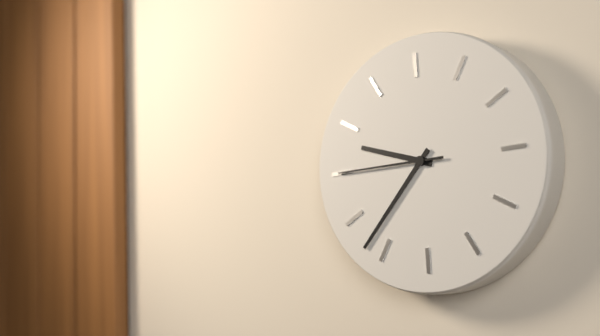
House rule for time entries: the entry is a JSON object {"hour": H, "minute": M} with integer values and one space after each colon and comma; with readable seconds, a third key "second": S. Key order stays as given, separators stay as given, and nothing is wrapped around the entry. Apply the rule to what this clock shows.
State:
{"hour": 9, "minute": 37, "second": 45}
